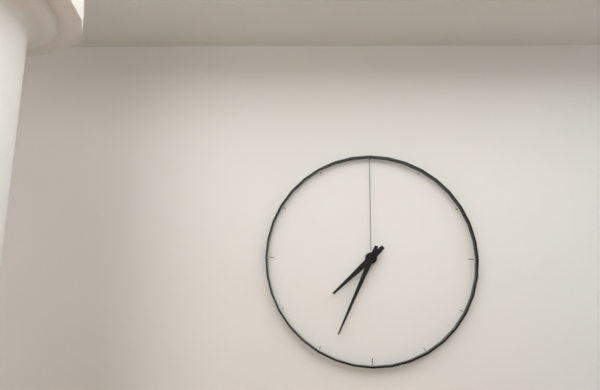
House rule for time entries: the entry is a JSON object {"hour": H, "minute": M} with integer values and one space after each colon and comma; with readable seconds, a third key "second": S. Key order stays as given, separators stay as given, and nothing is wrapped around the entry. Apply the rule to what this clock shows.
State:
{"hour": 7, "minute": 34}
